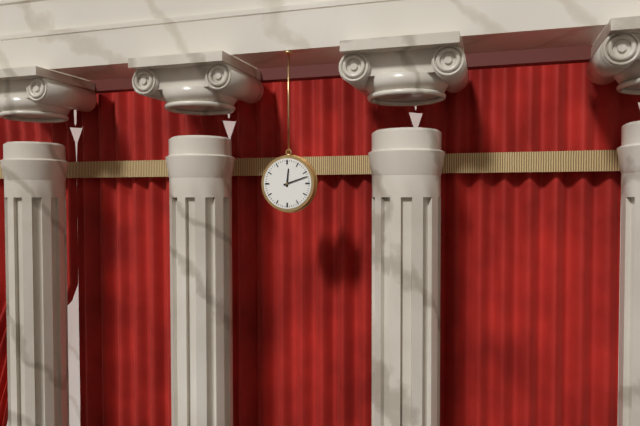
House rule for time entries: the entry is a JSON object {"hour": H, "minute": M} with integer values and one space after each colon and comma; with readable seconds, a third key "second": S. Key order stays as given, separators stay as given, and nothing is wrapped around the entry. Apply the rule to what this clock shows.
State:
{"hour": 12, "minute": 12}
